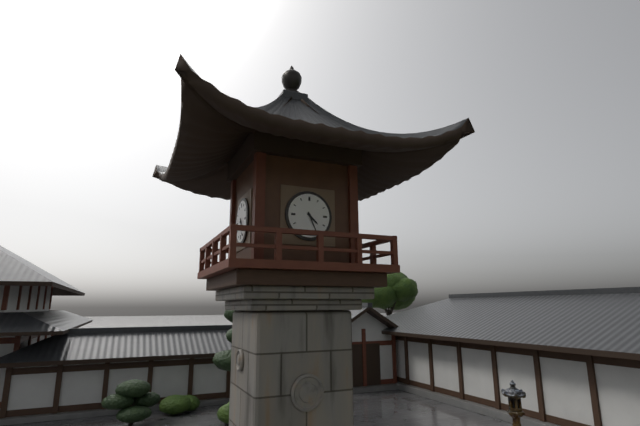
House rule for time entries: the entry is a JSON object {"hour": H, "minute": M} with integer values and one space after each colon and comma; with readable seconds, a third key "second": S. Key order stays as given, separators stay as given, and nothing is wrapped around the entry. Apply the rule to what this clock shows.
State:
{"hour": 4, "minute": 26}
